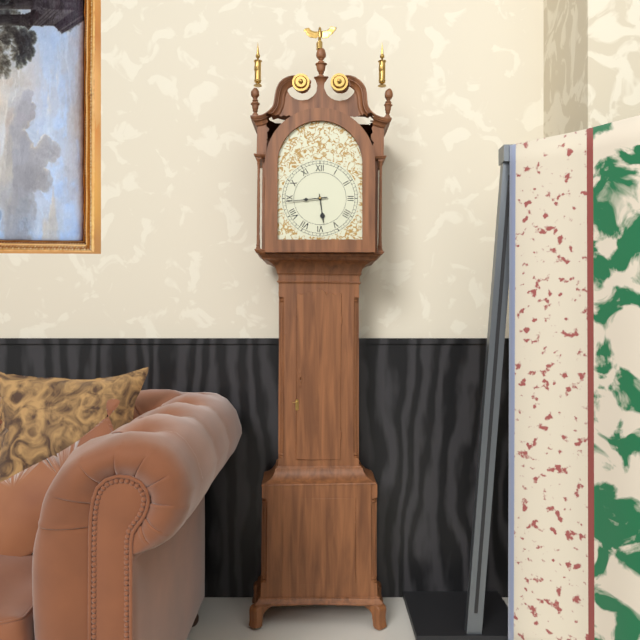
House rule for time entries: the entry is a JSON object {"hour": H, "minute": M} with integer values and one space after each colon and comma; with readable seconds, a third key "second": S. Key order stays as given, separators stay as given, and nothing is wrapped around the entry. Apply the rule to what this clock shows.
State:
{"hour": 5, "minute": 44}
